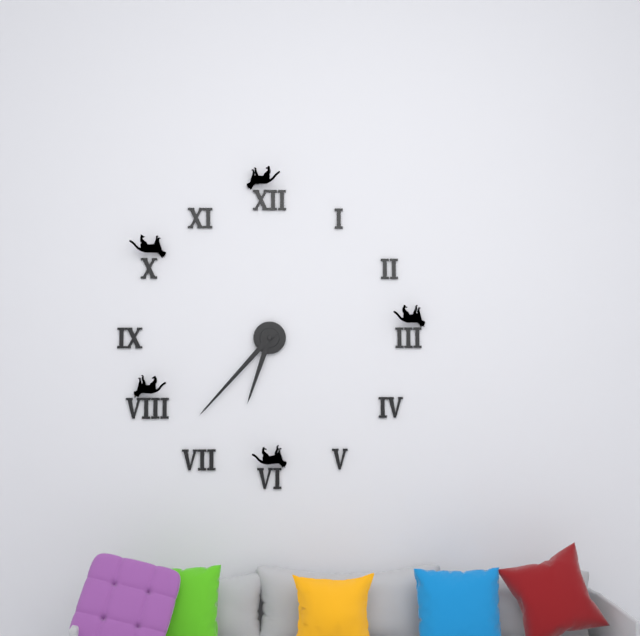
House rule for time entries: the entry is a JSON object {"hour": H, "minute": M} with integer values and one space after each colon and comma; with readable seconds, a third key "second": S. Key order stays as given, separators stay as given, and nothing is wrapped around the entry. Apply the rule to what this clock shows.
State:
{"hour": 6, "minute": 37}
